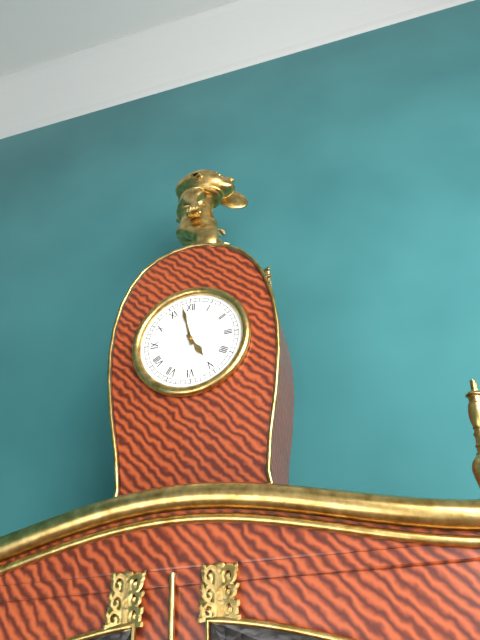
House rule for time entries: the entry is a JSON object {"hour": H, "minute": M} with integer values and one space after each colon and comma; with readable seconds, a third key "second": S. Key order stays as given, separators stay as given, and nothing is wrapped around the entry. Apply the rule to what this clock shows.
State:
{"hour": 4, "minute": 58}
